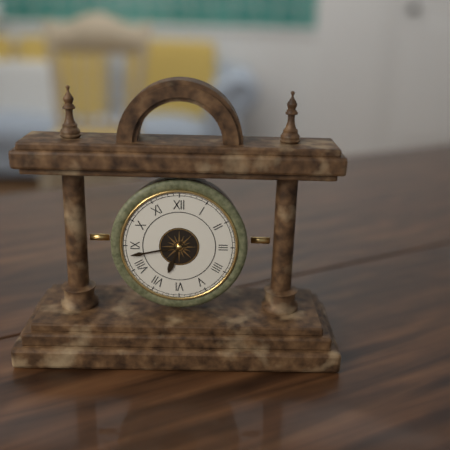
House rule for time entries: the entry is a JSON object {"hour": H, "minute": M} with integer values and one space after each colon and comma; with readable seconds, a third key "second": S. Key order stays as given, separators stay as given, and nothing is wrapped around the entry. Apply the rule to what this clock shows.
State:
{"hour": 6, "minute": 43}
